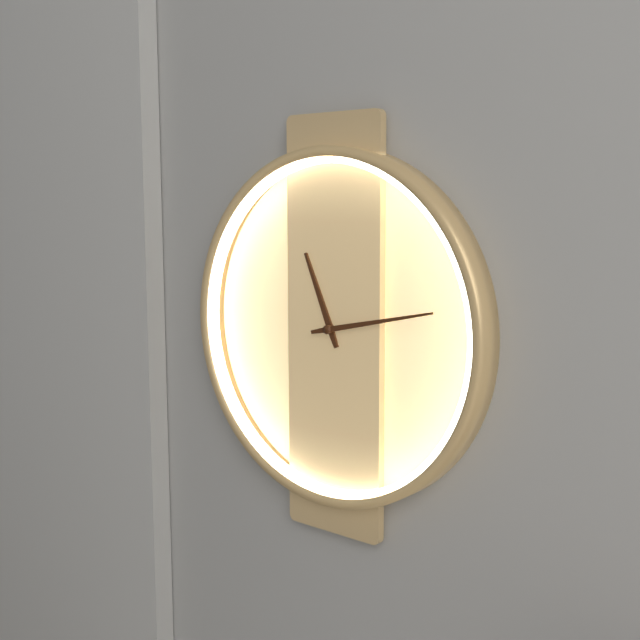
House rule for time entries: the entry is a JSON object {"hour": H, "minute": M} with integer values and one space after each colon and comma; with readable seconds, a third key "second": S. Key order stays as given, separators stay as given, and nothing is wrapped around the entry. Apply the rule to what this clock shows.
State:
{"hour": 11, "minute": 13}
